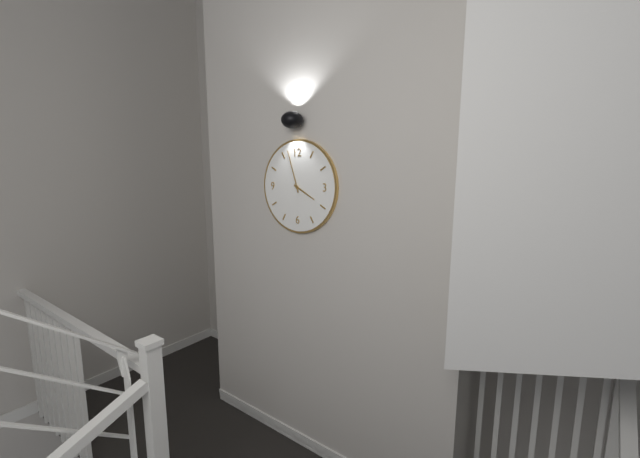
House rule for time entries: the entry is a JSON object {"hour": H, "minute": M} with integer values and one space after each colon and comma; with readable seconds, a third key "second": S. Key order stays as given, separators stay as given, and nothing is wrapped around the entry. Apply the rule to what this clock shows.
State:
{"hour": 3, "minute": 57}
